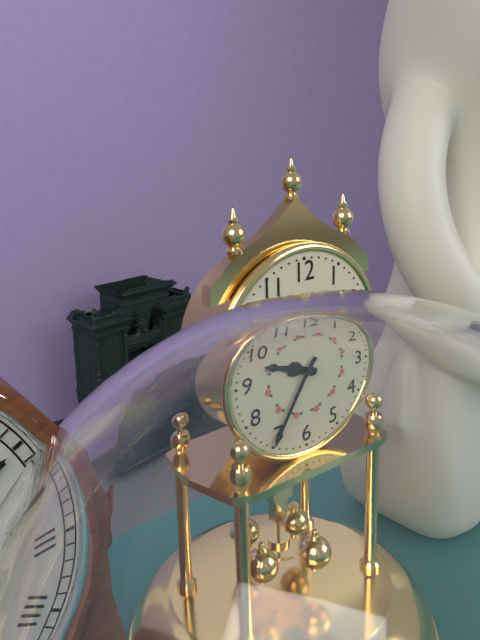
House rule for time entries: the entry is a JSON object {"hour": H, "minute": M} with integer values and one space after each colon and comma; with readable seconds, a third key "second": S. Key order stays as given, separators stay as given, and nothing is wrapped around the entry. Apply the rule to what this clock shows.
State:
{"hour": 9, "minute": 35}
